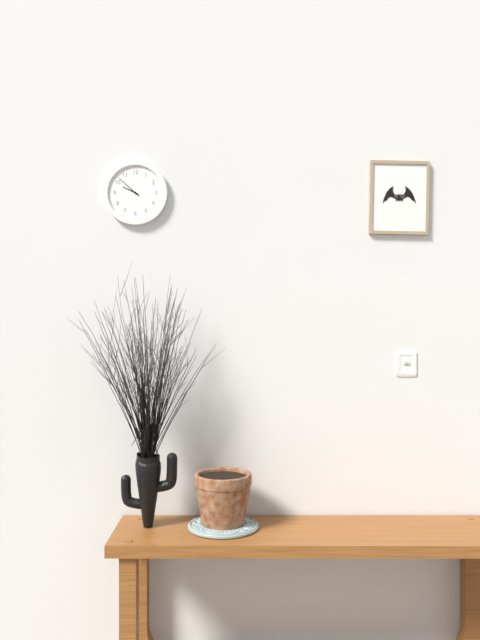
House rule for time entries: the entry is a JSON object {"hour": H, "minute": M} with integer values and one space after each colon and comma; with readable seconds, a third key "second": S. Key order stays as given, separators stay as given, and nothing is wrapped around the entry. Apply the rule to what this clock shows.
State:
{"hour": 9, "minute": 52}
